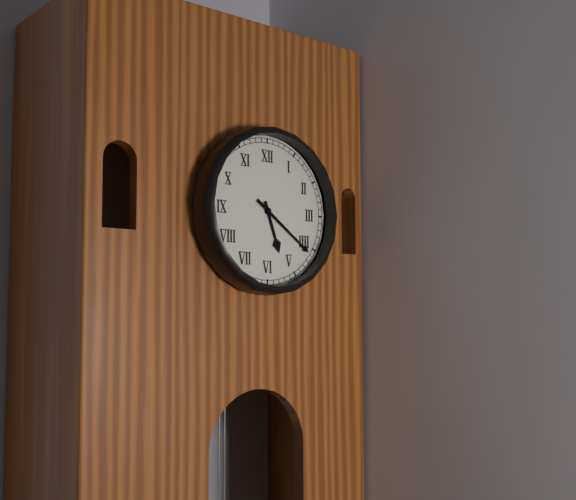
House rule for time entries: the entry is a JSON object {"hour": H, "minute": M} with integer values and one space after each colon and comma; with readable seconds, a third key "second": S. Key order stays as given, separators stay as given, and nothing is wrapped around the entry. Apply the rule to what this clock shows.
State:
{"hour": 5, "minute": 21}
